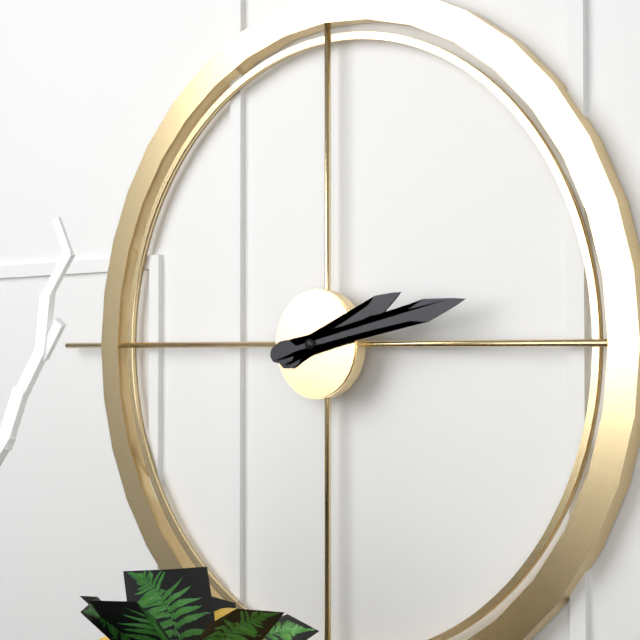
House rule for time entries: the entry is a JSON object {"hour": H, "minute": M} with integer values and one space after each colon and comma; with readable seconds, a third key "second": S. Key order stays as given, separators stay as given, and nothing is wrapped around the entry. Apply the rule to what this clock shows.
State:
{"hour": 2, "minute": 13}
